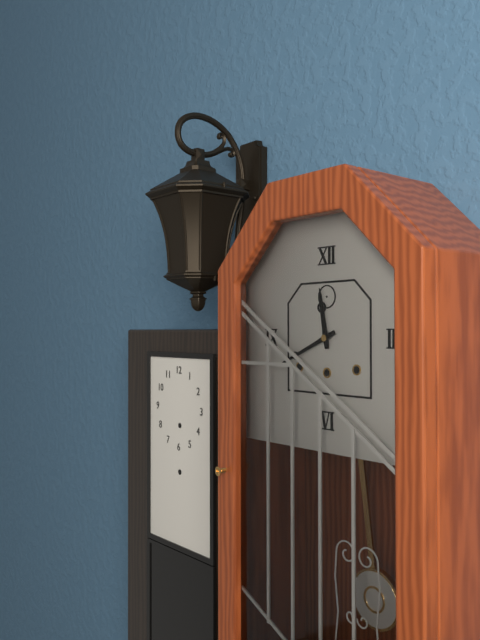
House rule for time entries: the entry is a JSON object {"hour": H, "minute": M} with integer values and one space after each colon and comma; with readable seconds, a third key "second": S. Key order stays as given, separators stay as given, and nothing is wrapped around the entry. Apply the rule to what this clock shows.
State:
{"hour": 11, "minute": 41}
